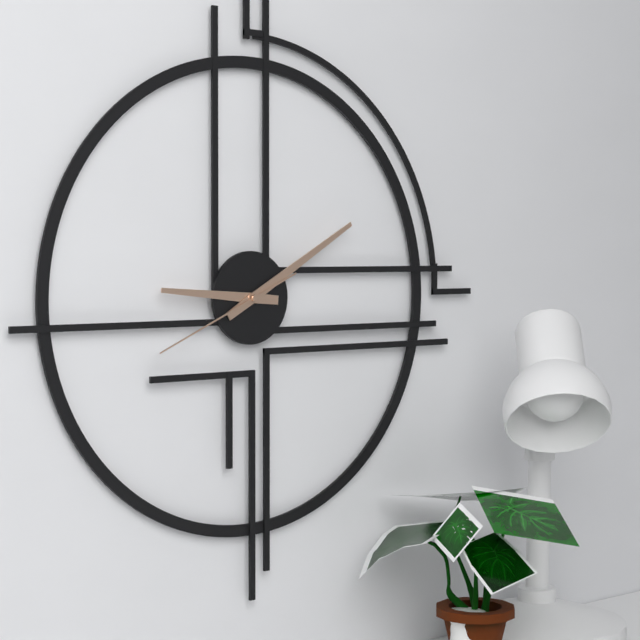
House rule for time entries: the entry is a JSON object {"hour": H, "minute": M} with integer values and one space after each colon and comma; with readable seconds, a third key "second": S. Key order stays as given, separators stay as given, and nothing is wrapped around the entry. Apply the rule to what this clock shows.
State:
{"hour": 9, "minute": 10, "second": 41}
